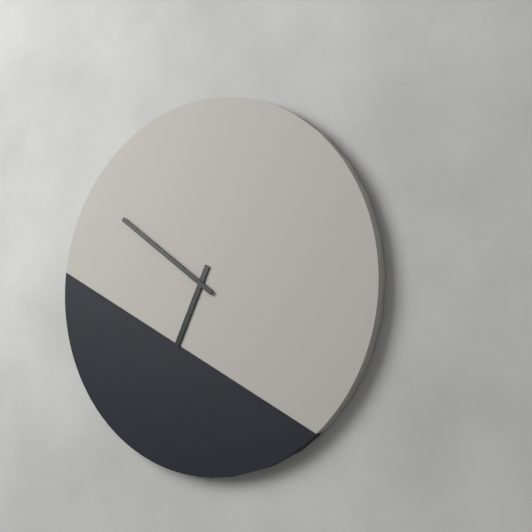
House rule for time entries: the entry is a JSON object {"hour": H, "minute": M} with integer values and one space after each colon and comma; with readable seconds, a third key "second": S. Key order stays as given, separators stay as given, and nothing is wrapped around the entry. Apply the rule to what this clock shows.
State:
{"hour": 6, "minute": 51}
